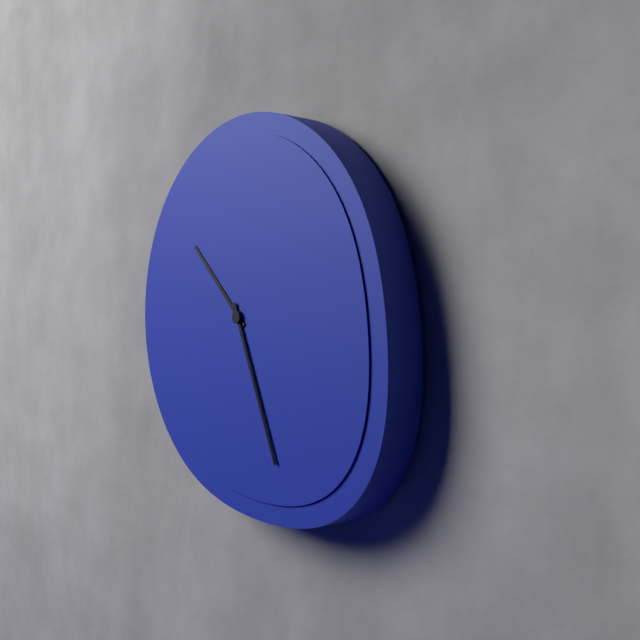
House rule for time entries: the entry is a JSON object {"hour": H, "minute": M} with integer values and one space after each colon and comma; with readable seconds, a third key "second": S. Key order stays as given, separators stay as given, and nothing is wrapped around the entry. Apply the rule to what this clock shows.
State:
{"hour": 10, "minute": 26}
